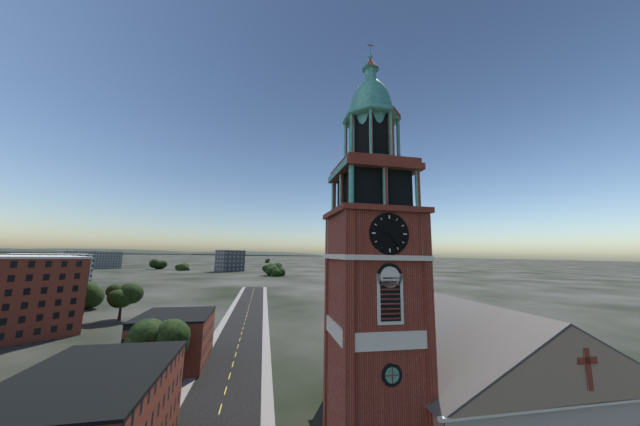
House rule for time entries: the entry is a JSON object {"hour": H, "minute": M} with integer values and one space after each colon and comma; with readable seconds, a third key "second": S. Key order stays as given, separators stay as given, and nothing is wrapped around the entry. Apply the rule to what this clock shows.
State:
{"hour": 9, "minute": 24}
